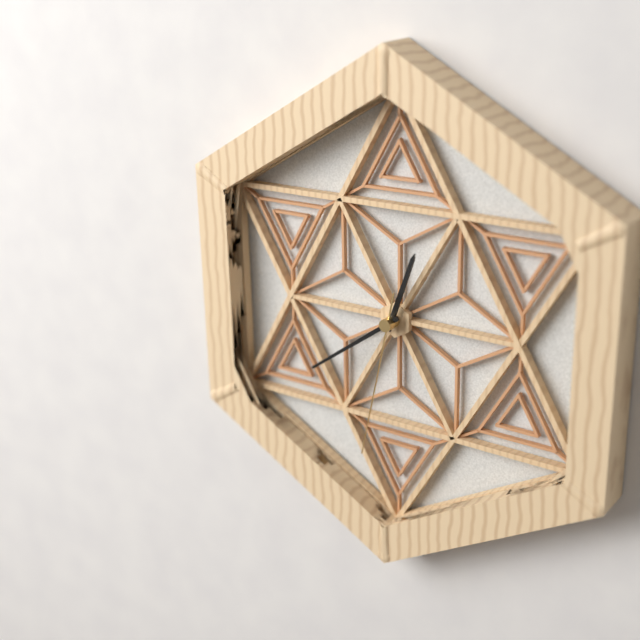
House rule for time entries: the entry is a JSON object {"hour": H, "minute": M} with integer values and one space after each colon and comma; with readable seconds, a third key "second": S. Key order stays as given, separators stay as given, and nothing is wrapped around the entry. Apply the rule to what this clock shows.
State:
{"hour": 12, "minute": 39, "second": 32}
